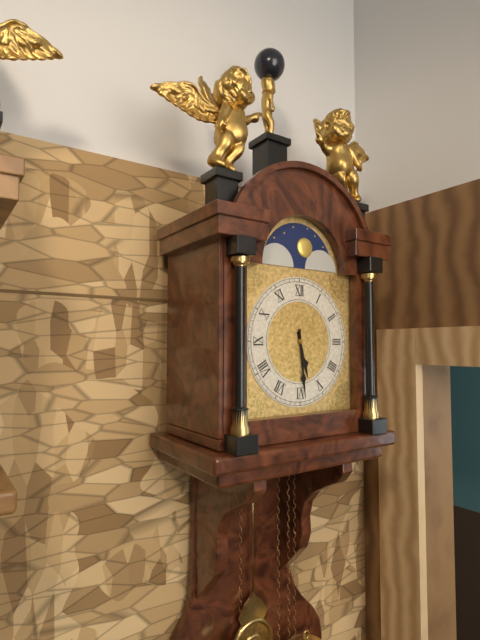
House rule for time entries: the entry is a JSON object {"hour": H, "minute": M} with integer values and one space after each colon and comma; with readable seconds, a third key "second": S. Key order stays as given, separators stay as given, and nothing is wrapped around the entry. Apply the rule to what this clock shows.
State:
{"hour": 5, "minute": 29}
